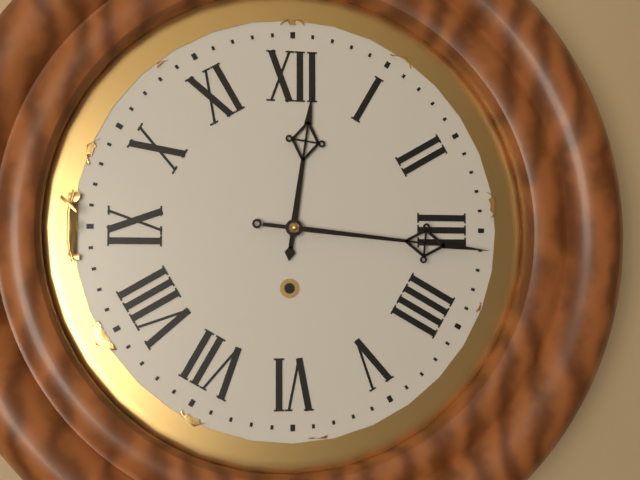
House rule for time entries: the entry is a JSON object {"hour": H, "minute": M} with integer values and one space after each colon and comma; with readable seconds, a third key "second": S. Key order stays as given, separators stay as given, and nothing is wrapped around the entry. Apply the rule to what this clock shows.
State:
{"hour": 12, "minute": 16}
